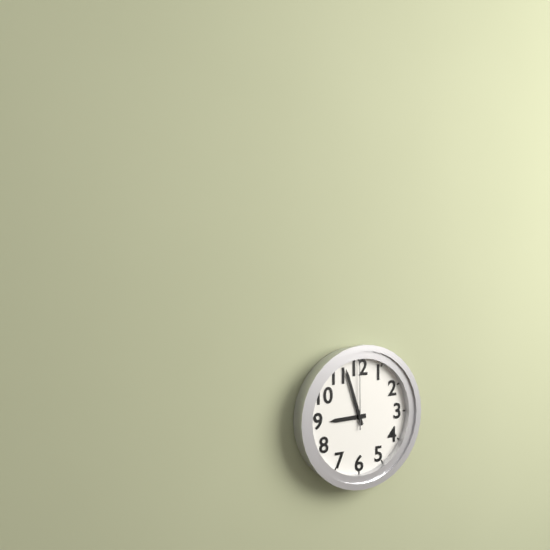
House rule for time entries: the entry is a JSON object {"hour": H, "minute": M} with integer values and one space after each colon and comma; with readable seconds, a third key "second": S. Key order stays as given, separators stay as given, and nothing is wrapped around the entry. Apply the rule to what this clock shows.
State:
{"hour": 8, "minute": 57, "second": 0}
